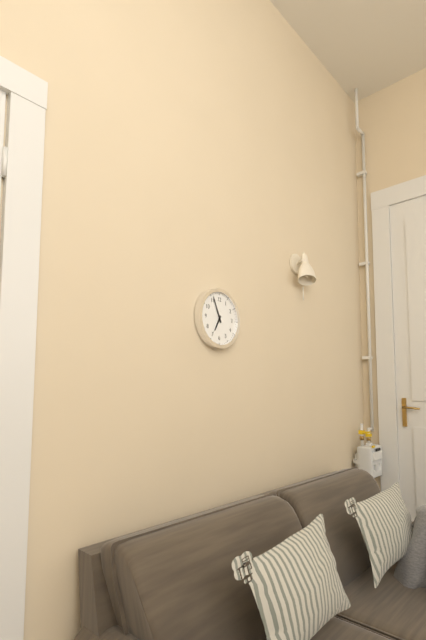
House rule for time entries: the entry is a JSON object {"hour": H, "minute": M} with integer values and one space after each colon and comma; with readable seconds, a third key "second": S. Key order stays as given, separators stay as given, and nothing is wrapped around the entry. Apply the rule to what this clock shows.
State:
{"hour": 6, "minute": 56}
